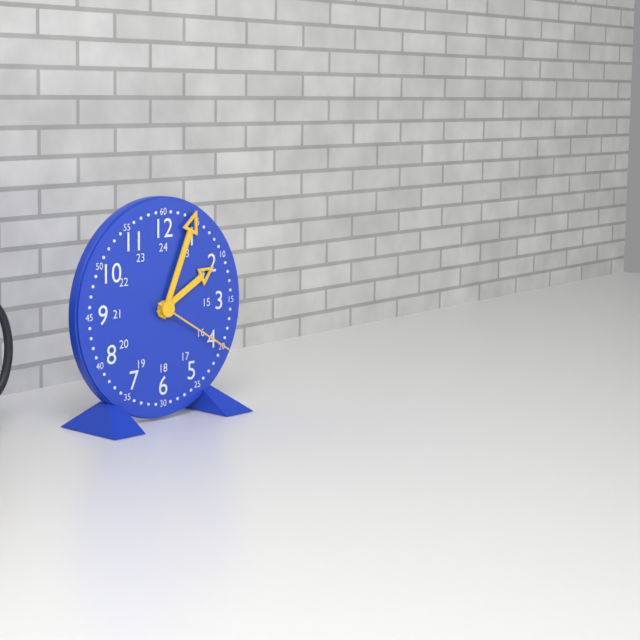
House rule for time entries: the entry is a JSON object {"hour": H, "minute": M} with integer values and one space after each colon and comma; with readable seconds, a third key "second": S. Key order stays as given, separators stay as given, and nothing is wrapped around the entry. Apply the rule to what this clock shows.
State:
{"hour": 2, "minute": 4, "second": 20}
